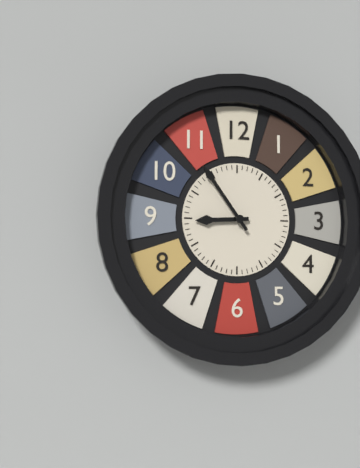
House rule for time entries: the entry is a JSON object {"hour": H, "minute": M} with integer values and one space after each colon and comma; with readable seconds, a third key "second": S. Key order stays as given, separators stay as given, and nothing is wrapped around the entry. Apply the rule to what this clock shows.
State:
{"hour": 8, "minute": 54}
